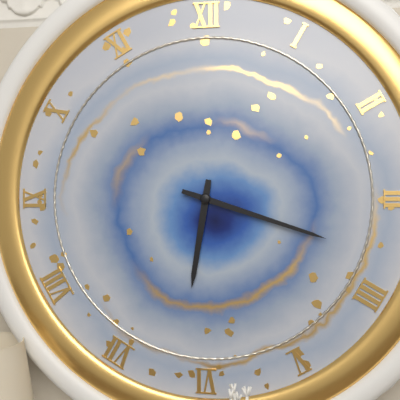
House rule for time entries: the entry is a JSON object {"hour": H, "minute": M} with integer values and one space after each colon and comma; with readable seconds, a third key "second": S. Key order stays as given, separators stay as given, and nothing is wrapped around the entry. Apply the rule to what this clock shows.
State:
{"hour": 6, "minute": 18}
